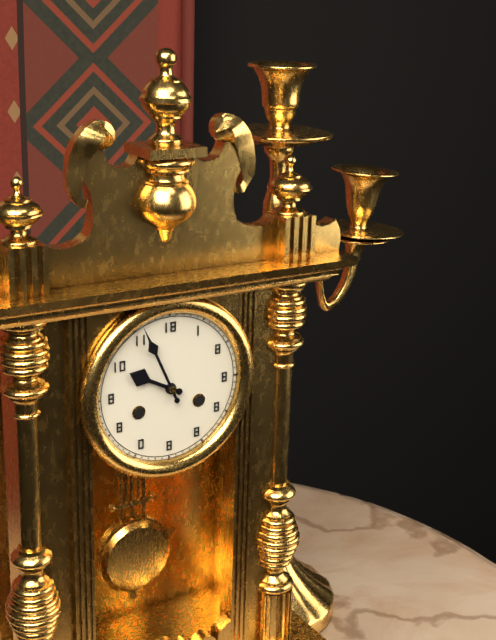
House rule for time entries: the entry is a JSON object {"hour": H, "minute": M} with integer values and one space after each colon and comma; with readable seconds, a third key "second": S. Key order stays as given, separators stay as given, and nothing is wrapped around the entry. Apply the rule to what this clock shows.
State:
{"hour": 9, "minute": 56}
